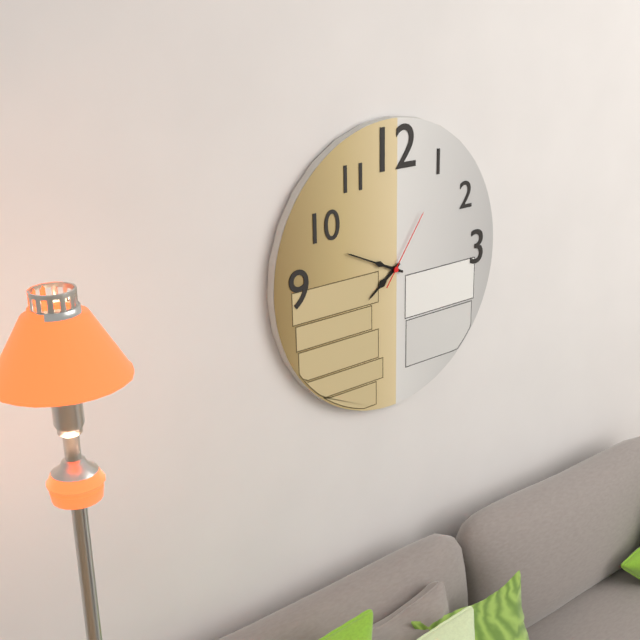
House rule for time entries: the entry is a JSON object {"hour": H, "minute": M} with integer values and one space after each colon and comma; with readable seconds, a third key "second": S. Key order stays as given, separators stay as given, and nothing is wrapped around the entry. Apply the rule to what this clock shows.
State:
{"hour": 7, "minute": 49, "second": 6}
